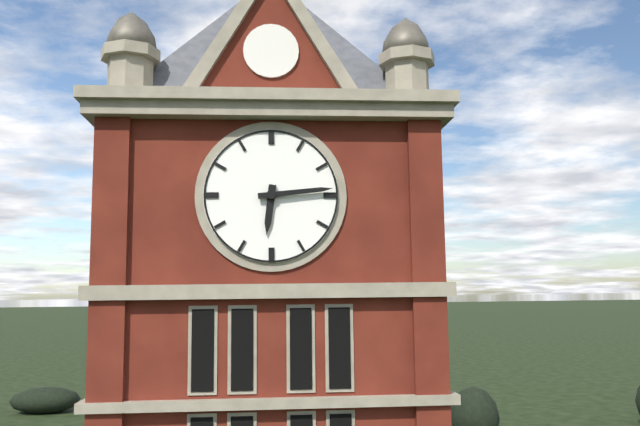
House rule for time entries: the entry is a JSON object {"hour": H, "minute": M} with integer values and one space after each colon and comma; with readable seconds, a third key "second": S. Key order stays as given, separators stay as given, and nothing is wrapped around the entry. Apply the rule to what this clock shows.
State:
{"hour": 6, "minute": 14}
